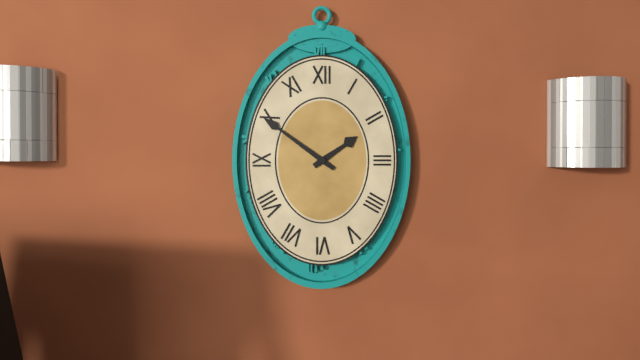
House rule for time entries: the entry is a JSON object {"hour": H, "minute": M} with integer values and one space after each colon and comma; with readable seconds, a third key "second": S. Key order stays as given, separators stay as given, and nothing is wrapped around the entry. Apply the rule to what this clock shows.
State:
{"hour": 1, "minute": 51}
